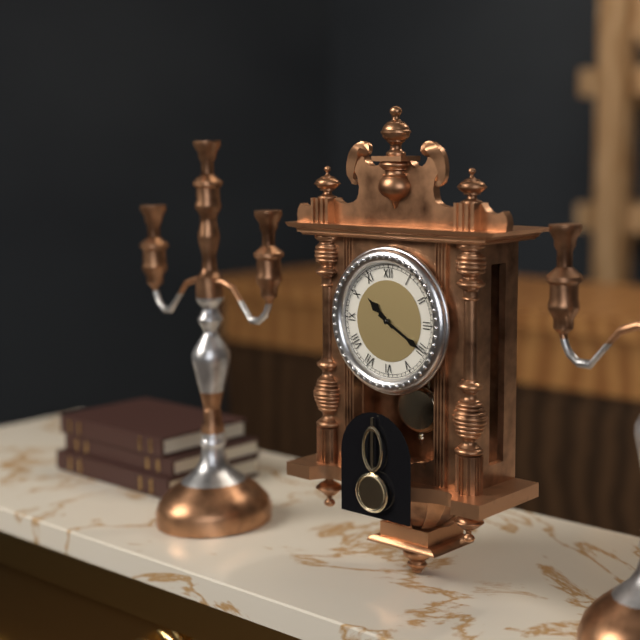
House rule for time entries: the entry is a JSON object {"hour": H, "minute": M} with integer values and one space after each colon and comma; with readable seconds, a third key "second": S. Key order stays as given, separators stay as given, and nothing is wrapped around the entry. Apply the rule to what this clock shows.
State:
{"hour": 10, "minute": 20}
